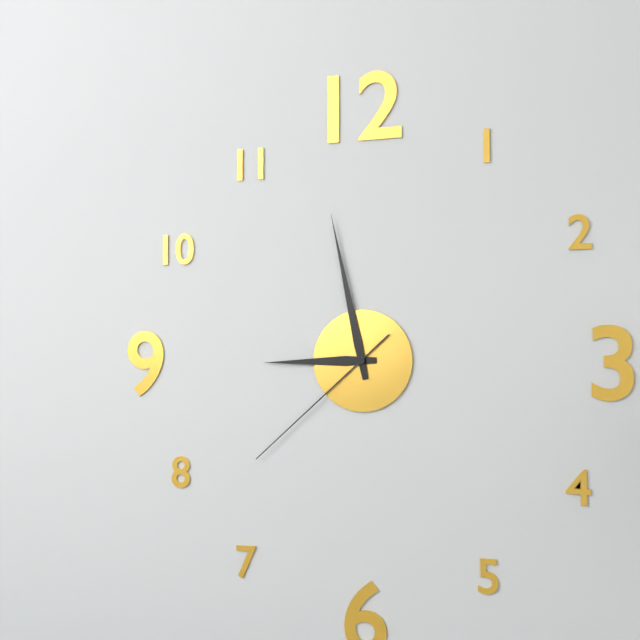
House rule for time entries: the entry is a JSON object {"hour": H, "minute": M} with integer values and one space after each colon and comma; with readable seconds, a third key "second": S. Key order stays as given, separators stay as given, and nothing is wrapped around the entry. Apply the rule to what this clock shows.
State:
{"hour": 8, "minute": 58, "second": 38}
